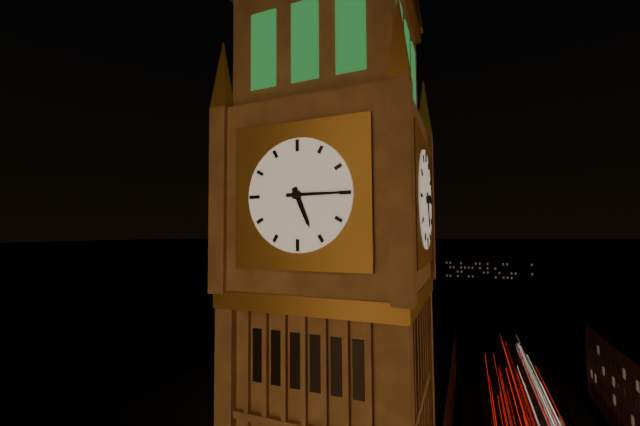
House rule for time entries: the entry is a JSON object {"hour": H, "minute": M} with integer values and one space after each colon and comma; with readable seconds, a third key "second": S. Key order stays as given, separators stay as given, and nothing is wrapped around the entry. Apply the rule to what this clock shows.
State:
{"hour": 5, "minute": 15}
